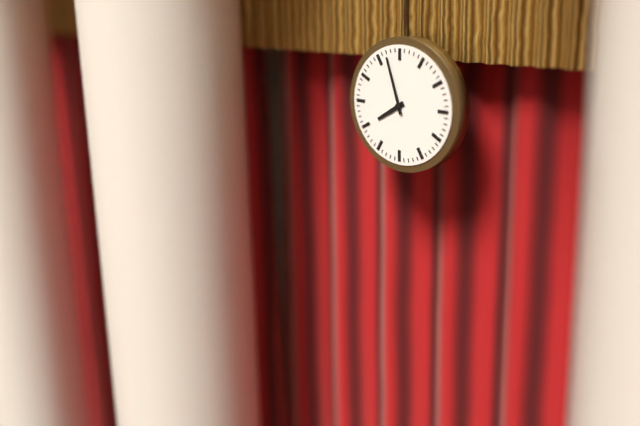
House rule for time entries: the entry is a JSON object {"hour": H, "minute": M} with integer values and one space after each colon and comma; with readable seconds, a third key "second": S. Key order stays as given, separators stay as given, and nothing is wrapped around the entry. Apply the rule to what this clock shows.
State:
{"hour": 7, "minute": 57}
